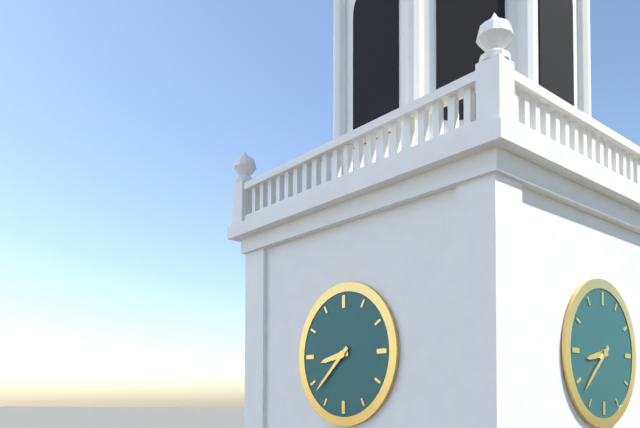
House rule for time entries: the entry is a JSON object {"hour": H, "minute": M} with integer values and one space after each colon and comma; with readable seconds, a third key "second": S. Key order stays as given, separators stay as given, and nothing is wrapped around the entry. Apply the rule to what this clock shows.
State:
{"hour": 8, "minute": 38}
